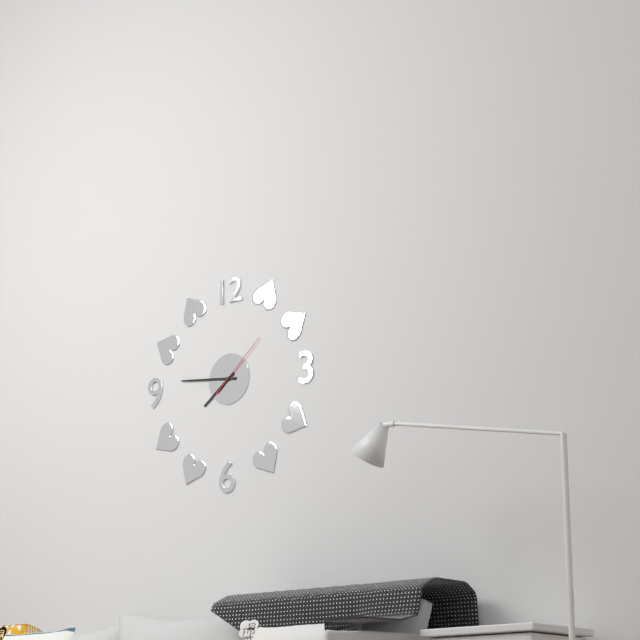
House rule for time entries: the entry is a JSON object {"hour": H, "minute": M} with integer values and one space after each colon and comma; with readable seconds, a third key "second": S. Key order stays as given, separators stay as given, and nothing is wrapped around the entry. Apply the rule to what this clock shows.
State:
{"hour": 7, "minute": 46, "second": 8}
